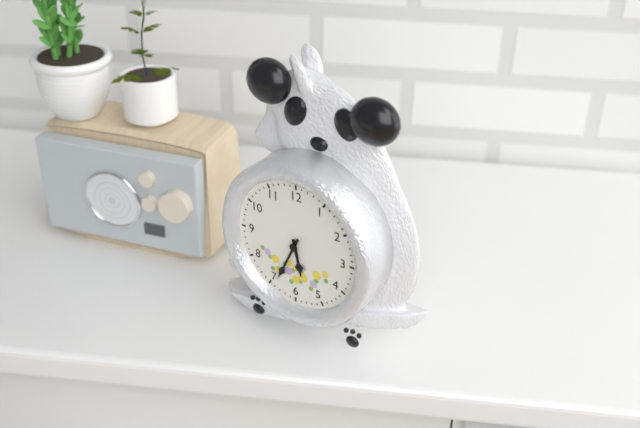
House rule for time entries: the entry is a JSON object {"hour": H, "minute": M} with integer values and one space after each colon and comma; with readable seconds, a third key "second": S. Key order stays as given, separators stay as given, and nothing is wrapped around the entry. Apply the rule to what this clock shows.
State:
{"hour": 5, "minute": 34}
